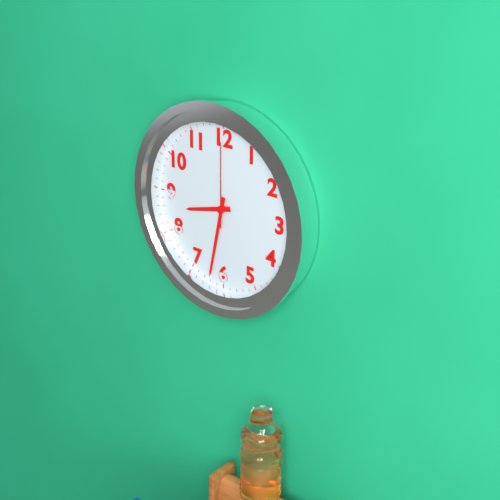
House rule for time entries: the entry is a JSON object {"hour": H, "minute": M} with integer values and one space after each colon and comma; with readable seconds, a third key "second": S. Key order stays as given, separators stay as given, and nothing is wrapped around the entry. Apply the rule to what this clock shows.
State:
{"hour": 8, "minute": 32, "second": 0}
